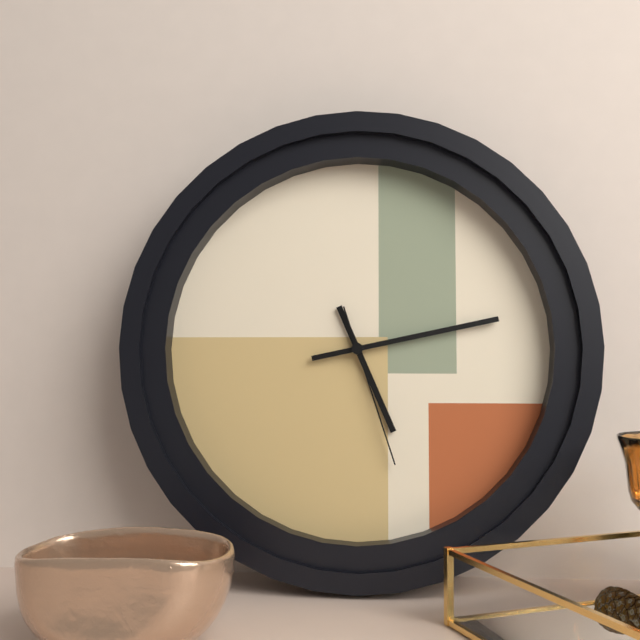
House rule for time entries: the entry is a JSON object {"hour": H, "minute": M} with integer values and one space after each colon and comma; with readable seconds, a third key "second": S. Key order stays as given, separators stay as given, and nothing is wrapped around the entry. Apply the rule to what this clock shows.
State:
{"hour": 5, "minute": 13, "second": 27}
